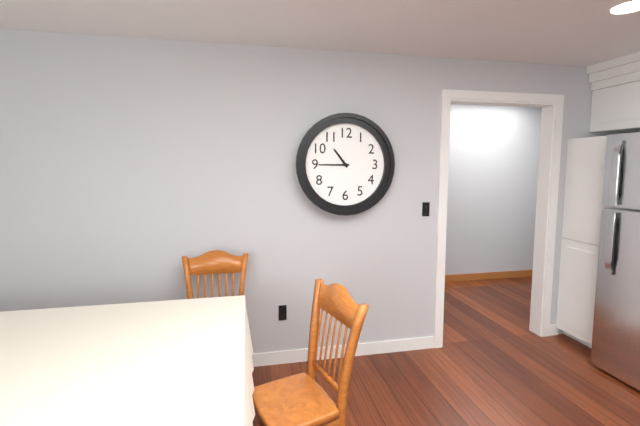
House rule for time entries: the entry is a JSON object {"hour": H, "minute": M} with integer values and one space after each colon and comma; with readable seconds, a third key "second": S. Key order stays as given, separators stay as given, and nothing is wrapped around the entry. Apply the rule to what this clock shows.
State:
{"hour": 10, "minute": 45}
